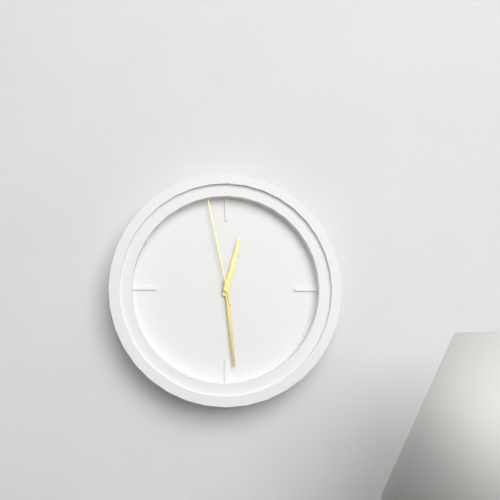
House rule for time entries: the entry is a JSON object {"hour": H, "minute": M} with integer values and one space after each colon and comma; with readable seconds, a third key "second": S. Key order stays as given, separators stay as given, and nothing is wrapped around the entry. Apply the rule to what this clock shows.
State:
{"hour": 12, "minute": 29, "second": 58}
